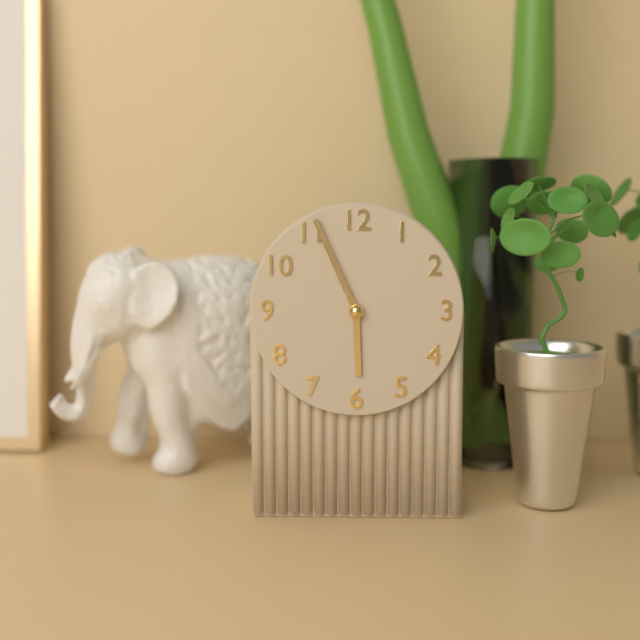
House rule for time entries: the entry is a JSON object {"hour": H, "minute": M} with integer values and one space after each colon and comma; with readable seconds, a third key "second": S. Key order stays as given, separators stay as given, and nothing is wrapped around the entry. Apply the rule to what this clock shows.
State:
{"hour": 5, "minute": 56}
